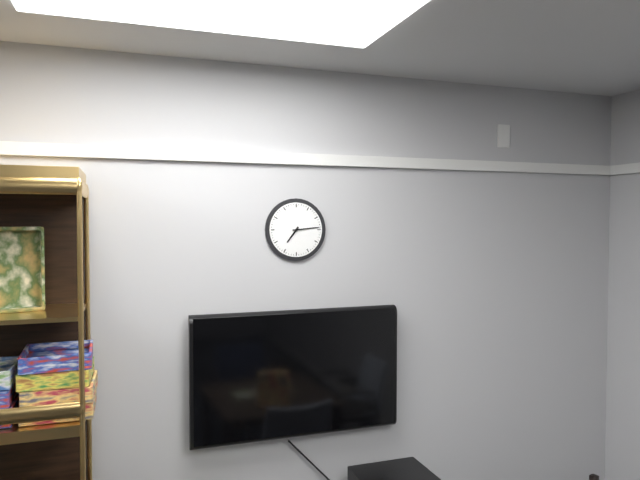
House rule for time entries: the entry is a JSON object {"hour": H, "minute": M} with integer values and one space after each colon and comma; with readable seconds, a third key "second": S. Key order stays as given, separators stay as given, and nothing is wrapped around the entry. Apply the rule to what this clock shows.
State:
{"hour": 7, "minute": 14}
